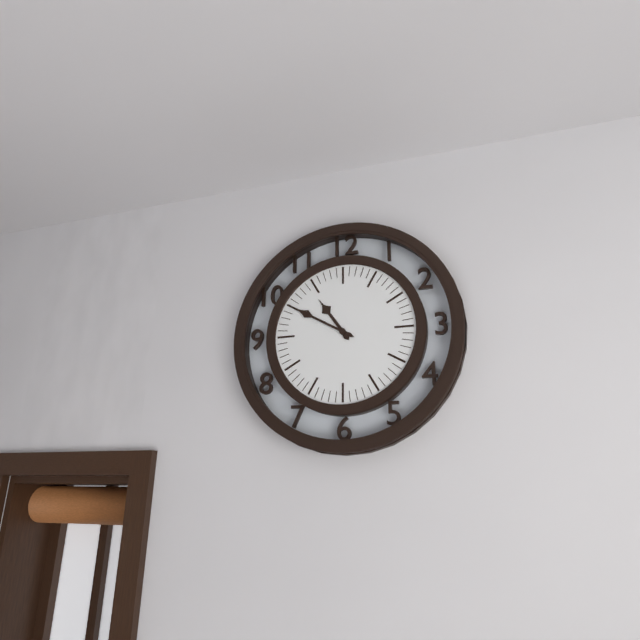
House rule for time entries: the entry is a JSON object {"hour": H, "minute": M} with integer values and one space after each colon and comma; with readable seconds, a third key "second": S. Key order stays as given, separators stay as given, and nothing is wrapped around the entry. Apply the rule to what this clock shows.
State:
{"hour": 10, "minute": 50}
